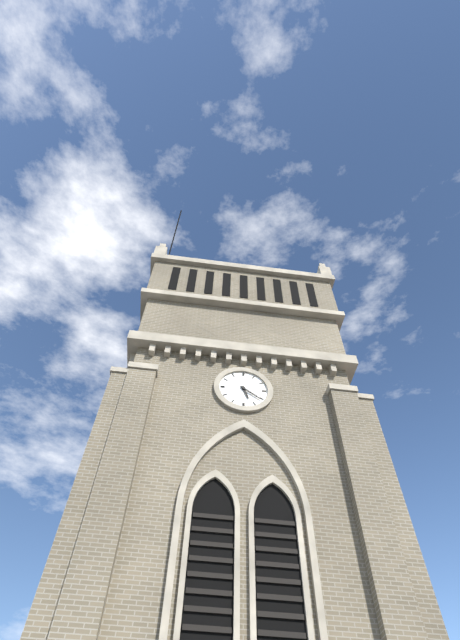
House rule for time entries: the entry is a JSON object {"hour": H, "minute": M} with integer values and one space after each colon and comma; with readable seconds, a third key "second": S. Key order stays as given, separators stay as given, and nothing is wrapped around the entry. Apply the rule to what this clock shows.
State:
{"hour": 5, "minute": 21}
